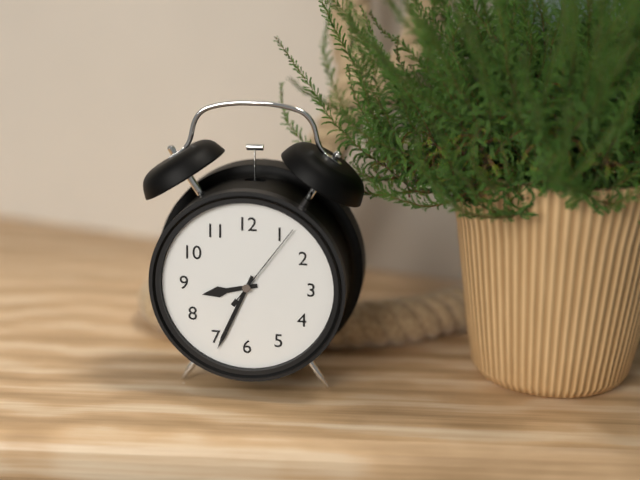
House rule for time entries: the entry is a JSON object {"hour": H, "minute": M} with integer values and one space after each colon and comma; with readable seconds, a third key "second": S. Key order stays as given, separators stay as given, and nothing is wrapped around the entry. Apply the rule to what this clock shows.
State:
{"hour": 8, "minute": 34, "second": 6}
